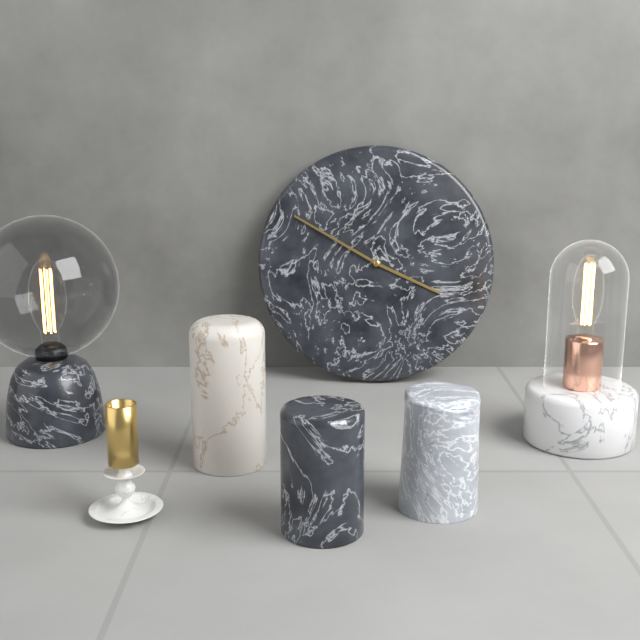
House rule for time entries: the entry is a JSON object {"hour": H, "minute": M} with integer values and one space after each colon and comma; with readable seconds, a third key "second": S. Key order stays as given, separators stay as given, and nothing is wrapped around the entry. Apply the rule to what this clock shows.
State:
{"hour": 3, "minute": 50}
